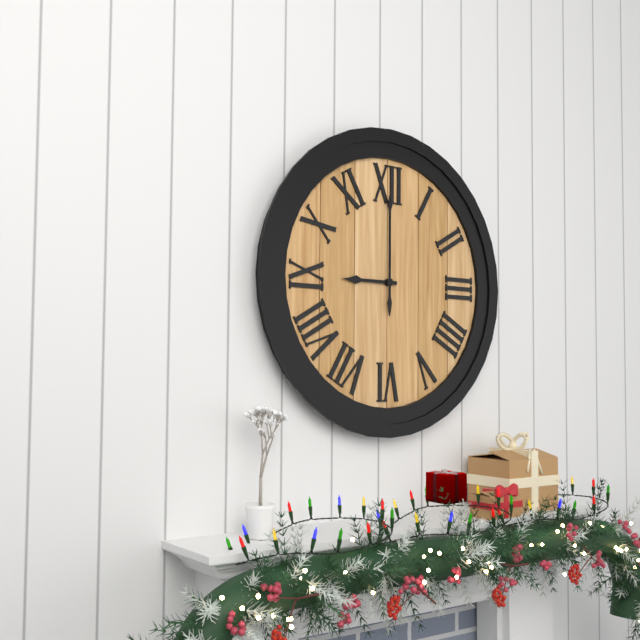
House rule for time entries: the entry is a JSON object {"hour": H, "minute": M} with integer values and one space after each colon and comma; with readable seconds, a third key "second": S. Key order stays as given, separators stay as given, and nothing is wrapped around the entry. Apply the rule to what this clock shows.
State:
{"hour": 9, "minute": 0}
